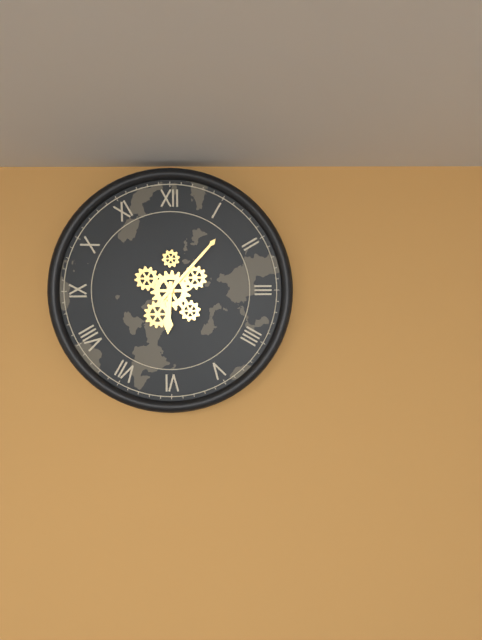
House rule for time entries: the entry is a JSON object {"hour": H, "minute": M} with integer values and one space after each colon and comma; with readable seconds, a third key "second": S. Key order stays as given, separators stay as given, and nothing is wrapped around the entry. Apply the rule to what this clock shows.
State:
{"hour": 6, "minute": 7}
